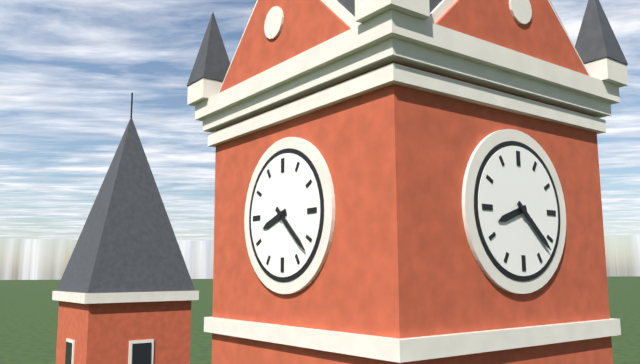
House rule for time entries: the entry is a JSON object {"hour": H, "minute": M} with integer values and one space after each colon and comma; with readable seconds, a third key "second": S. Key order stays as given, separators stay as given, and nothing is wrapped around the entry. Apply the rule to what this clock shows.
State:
{"hour": 8, "minute": 22}
